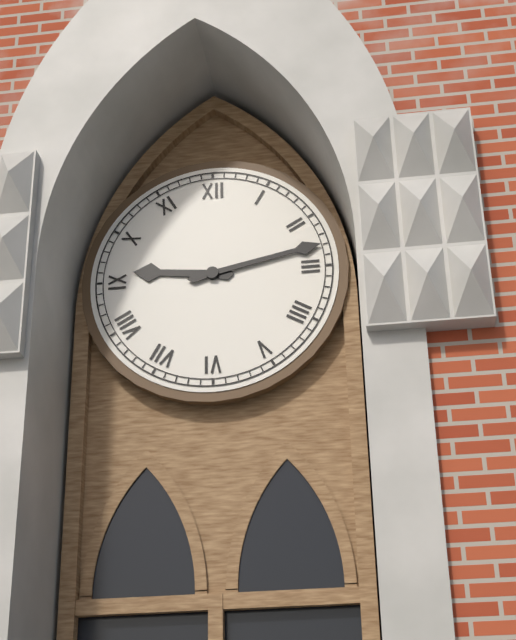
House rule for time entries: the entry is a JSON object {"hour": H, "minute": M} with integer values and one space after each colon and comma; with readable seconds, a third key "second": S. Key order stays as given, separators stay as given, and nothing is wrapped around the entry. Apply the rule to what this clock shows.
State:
{"hour": 9, "minute": 13}
